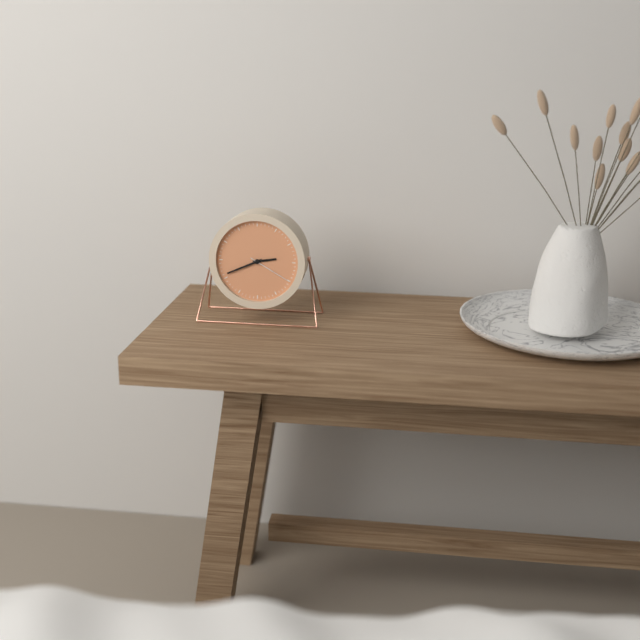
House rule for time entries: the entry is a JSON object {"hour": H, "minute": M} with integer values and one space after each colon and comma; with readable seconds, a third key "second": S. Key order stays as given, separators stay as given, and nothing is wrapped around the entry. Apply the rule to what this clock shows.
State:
{"hour": 2, "minute": 41}
